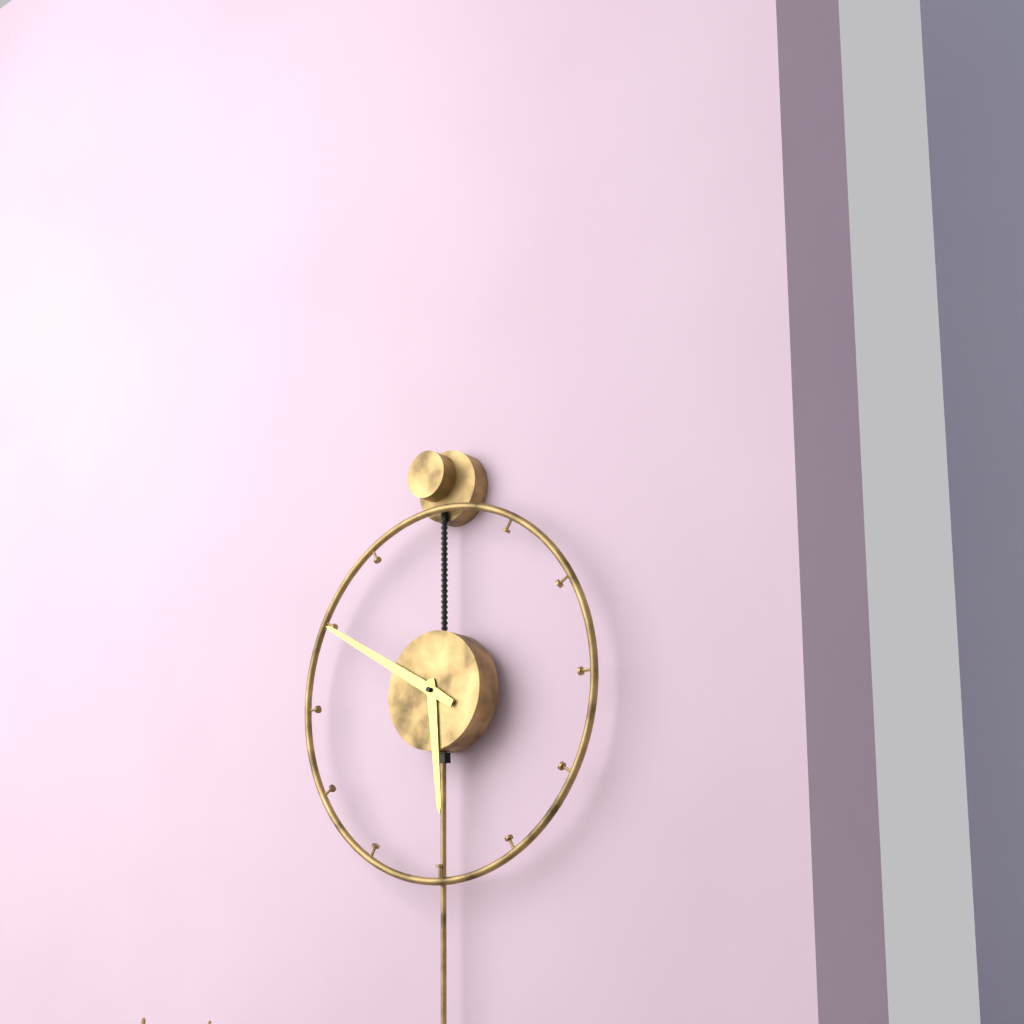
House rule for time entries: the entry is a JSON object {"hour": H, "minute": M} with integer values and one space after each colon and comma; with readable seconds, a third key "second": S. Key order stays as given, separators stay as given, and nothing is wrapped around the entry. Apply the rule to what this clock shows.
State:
{"hour": 5, "minute": 50}
